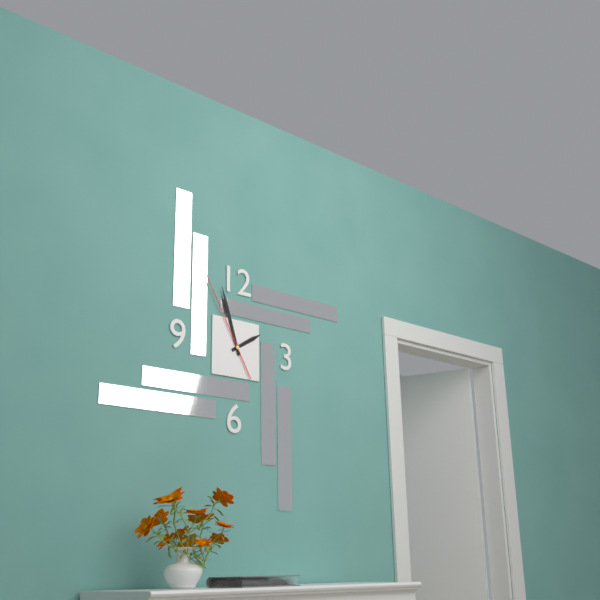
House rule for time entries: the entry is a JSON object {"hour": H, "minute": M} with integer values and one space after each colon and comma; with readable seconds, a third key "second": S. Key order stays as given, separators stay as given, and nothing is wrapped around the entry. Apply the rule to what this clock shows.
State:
{"hour": 1, "minute": 57, "second": 55}
